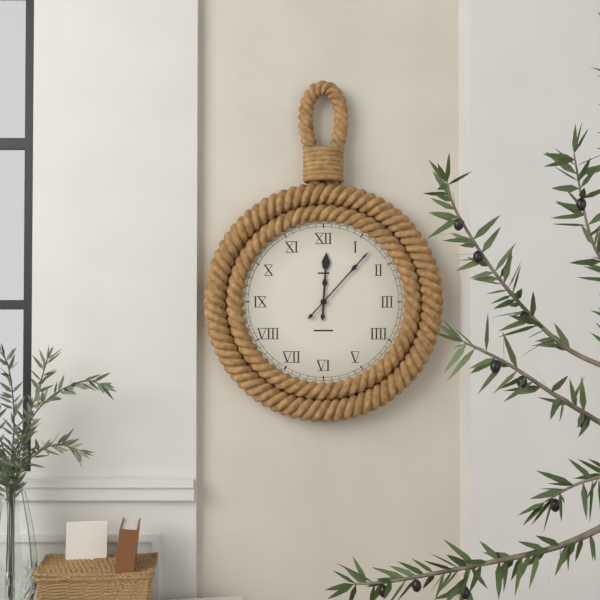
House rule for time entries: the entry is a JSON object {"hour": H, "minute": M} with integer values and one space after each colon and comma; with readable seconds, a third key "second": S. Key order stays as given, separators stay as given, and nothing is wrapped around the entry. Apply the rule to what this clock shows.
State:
{"hour": 12, "minute": 7}
